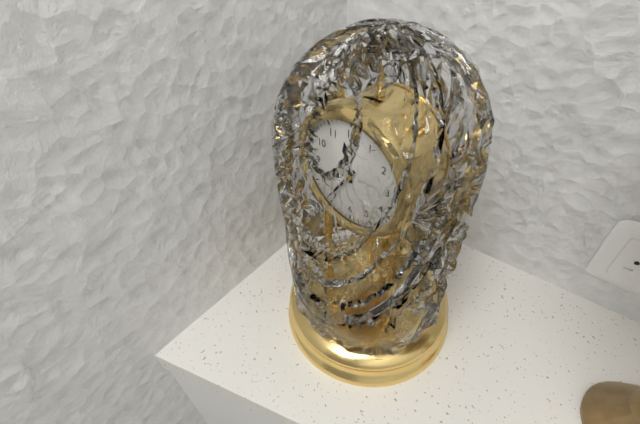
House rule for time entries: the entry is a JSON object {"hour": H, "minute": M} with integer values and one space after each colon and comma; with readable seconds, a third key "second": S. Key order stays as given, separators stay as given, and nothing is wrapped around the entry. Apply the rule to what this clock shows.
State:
{"hour": 11, "minute": 36}
